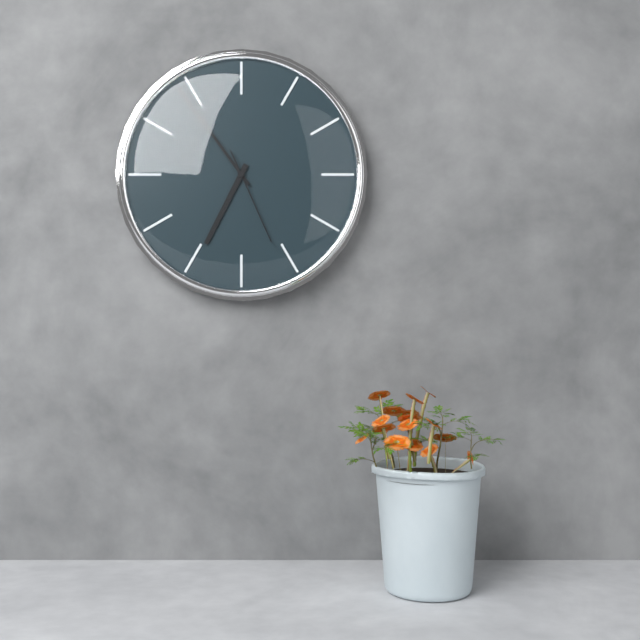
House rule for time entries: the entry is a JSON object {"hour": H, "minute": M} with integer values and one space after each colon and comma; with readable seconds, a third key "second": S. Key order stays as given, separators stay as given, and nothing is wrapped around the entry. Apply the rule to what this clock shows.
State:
{"hour": 6, "minute": 54, "second": 26}
